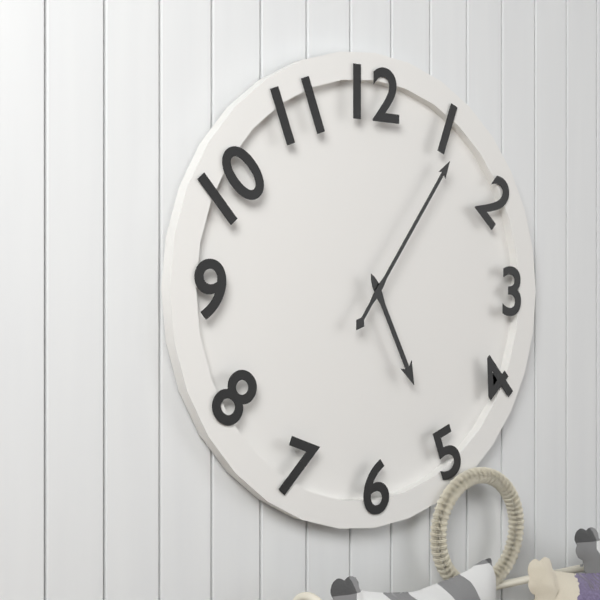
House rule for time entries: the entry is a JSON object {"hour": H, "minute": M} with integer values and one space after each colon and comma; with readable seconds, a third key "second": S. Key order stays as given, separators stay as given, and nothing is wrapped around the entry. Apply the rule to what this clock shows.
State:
{"hour": 5, "minute": 6}
